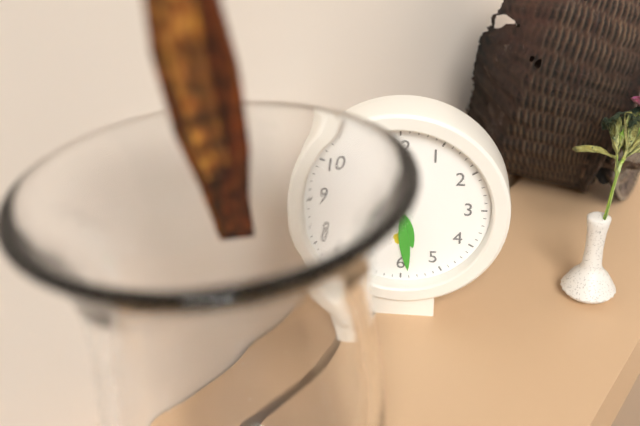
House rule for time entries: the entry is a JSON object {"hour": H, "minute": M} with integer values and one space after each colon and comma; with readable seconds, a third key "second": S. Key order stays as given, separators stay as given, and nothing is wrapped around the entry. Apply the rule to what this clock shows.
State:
{"hour": 5, "minute": 29}
